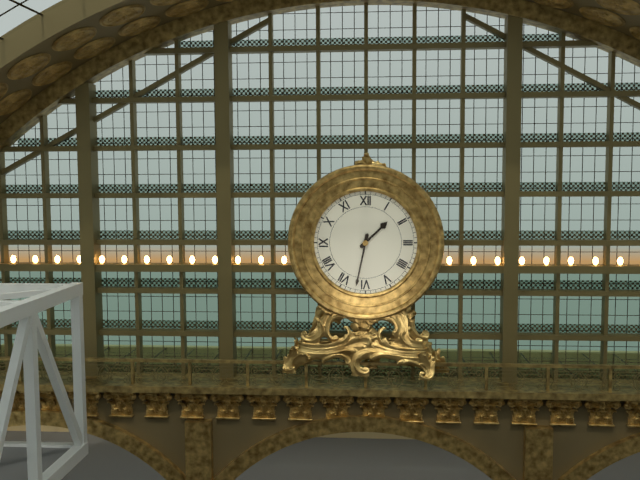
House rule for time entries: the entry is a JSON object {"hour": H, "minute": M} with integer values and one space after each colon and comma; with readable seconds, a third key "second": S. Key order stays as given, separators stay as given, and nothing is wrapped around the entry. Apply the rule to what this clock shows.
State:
{"hour": 1, "minute": 32}
